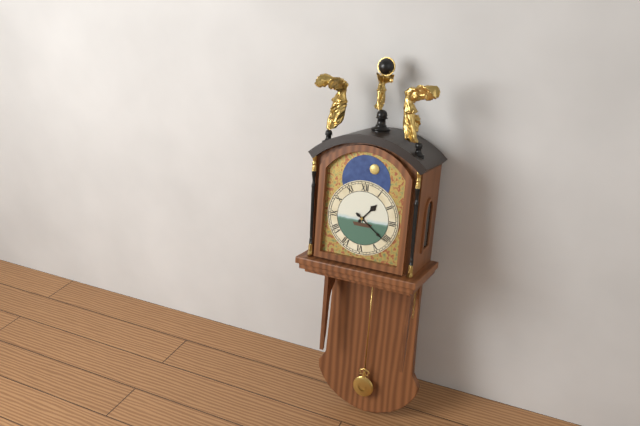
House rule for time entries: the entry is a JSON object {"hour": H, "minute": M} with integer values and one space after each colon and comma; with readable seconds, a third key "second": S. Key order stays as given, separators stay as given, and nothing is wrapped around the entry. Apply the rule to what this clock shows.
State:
{"hour": 1, "minute": 21}
